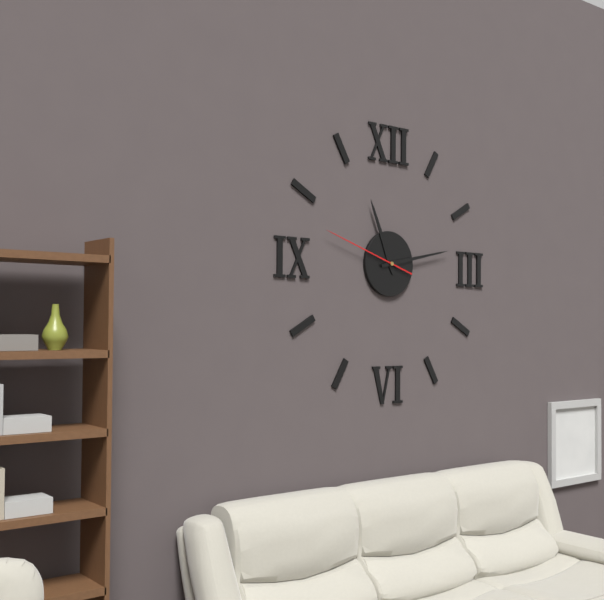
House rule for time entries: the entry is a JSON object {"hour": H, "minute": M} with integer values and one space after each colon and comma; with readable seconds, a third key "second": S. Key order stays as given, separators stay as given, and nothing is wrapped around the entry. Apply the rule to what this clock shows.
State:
{"hour": 11, "minute": 13, "second": 48}
